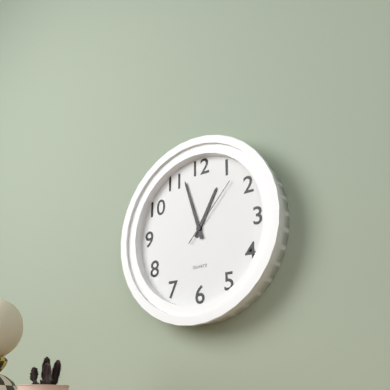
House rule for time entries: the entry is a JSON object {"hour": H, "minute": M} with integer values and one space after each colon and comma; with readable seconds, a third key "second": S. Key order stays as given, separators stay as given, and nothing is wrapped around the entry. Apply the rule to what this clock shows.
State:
{"hour": 12, "minute": 57, "second": 7}
